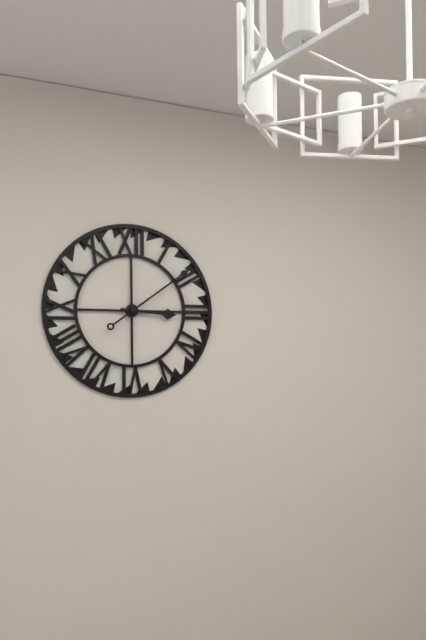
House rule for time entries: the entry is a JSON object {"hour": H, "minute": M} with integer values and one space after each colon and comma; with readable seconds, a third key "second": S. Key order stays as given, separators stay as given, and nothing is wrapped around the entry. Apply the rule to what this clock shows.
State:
{"hour": 3, "minute": 9}
